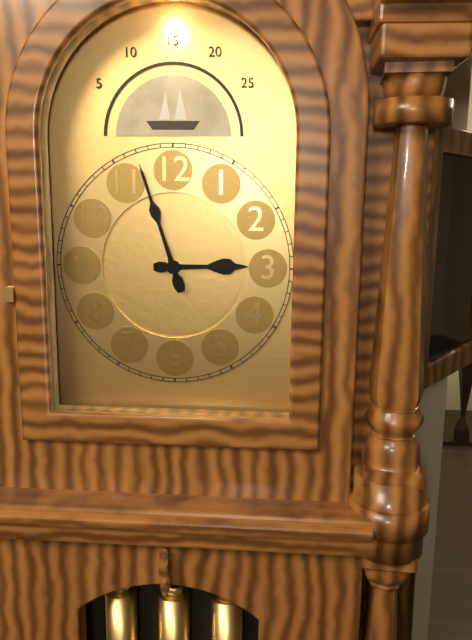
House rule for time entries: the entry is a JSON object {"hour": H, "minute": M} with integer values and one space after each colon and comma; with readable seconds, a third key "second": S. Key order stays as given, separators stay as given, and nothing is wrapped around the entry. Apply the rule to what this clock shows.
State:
{"hour": 2, "minute": 57}
